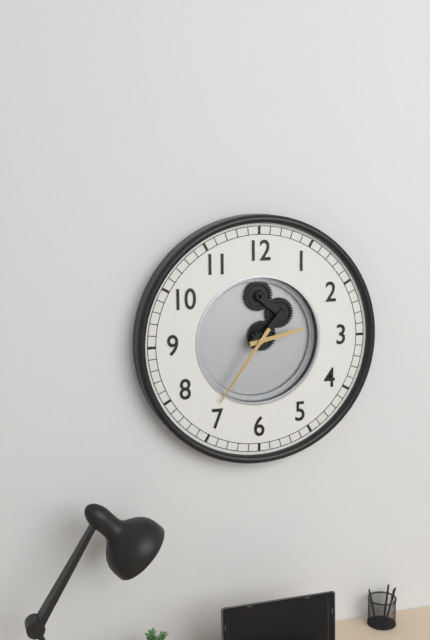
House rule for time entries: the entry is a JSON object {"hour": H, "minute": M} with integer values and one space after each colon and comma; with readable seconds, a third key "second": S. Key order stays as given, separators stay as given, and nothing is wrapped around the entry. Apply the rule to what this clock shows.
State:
{"hour": 2, "minute": 36}
